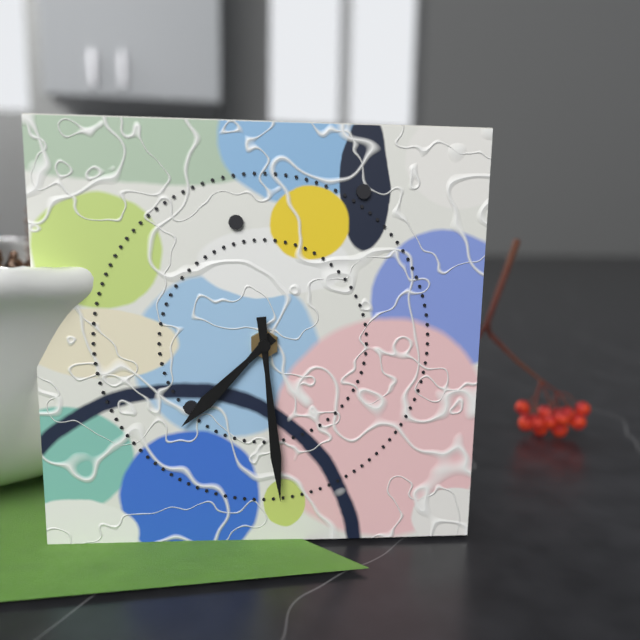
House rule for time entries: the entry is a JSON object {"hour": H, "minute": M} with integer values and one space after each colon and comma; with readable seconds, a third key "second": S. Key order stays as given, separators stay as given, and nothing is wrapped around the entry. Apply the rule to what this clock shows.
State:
{"hour": 7, "minute": 29}
